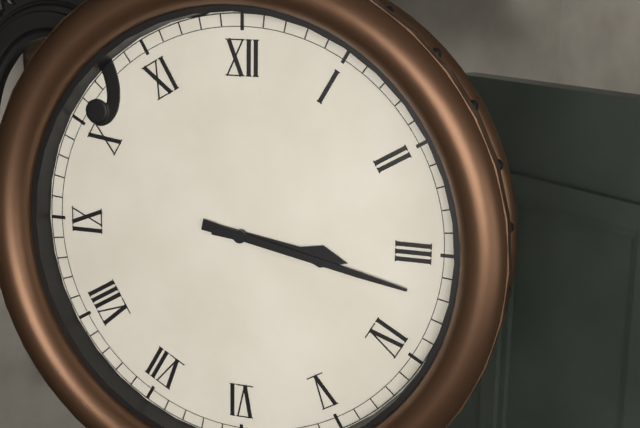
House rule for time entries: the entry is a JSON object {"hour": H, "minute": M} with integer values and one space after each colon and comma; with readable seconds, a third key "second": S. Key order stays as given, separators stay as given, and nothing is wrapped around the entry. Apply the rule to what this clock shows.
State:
{"hour": 3, "minute": 17}
